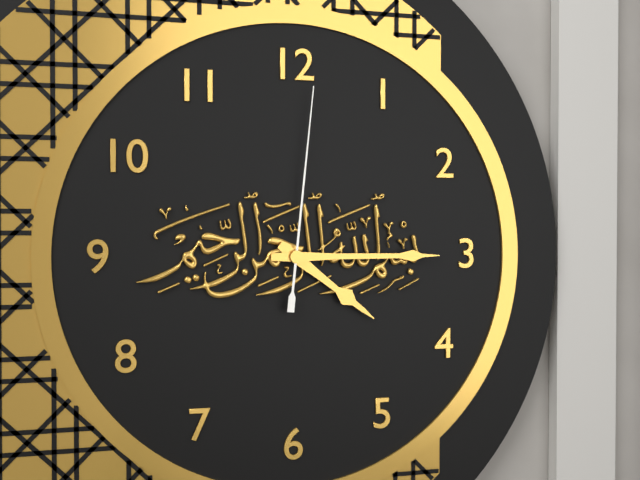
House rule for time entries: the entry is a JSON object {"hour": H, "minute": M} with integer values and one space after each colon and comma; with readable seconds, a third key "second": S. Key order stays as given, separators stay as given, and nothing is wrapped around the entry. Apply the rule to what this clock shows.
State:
{"hour": 4, "minute": 15, "second": 1}
